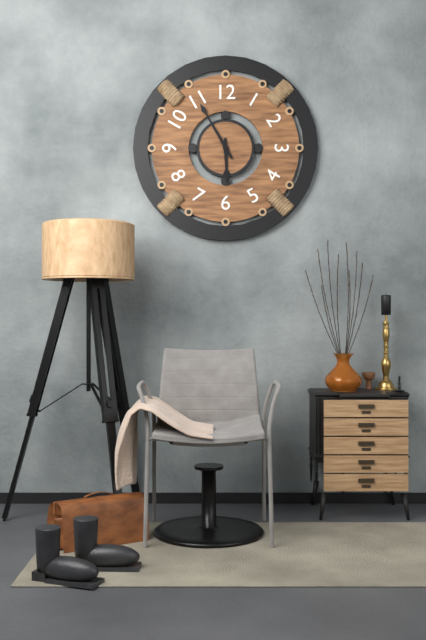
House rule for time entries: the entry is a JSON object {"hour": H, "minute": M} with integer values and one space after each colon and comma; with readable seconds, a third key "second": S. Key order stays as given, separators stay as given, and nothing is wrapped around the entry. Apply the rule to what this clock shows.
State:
{"hour": 5, "minute": 55}
